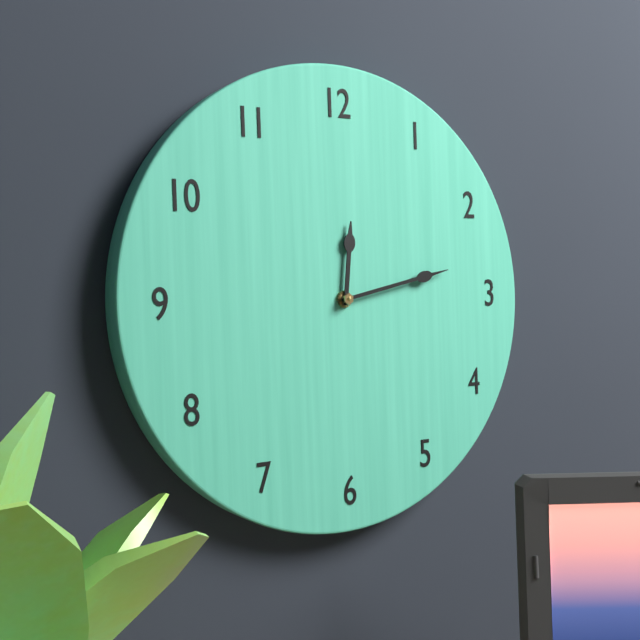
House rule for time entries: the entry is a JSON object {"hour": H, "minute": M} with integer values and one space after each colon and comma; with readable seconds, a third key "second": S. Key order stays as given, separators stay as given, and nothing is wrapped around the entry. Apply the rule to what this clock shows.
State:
{"hour": 12, "minute": 13}
